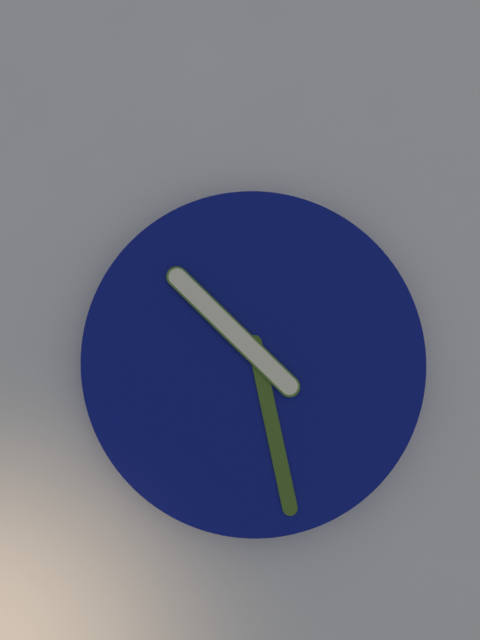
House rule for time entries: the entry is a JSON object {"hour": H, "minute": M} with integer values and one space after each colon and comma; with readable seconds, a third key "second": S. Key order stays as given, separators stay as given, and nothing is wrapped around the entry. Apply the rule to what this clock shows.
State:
{"hour": 10, "minute": 28}
